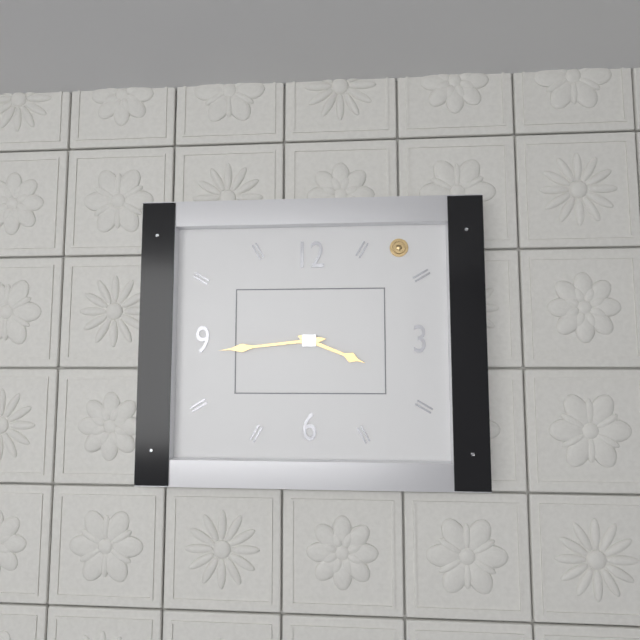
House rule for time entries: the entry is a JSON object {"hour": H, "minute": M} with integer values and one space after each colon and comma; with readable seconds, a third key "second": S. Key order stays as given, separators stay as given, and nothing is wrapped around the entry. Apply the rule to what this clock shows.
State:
{"hour": 3, "minute": 44}
